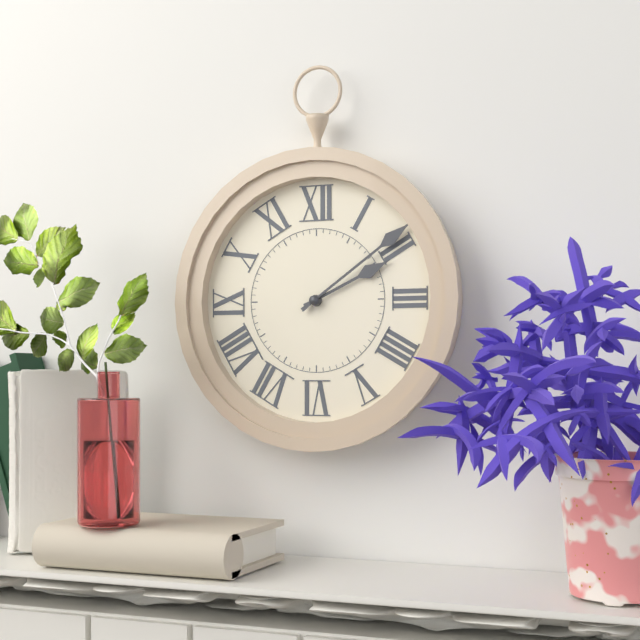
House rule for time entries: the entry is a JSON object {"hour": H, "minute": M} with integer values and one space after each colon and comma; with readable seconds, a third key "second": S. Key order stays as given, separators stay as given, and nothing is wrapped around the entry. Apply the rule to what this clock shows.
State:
{"hour": 2, "minute": 9}
